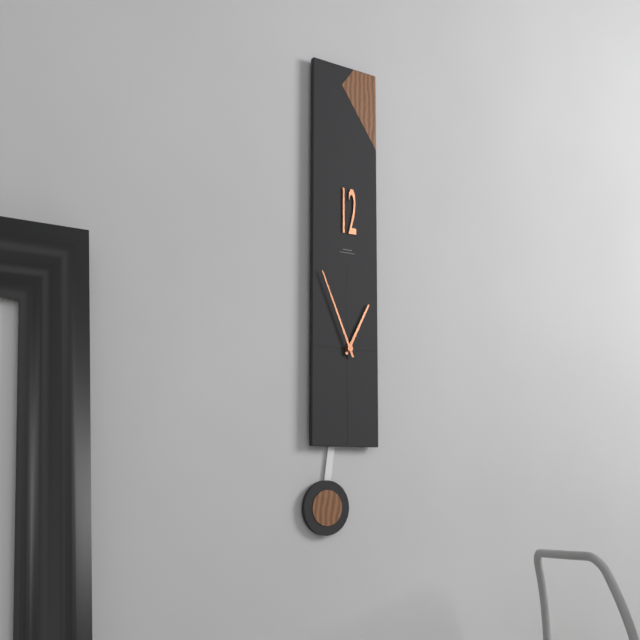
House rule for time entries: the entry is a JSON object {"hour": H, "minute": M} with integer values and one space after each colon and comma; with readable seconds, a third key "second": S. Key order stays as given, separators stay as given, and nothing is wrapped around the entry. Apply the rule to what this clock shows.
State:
{"hour": 12, "minute": 56}
